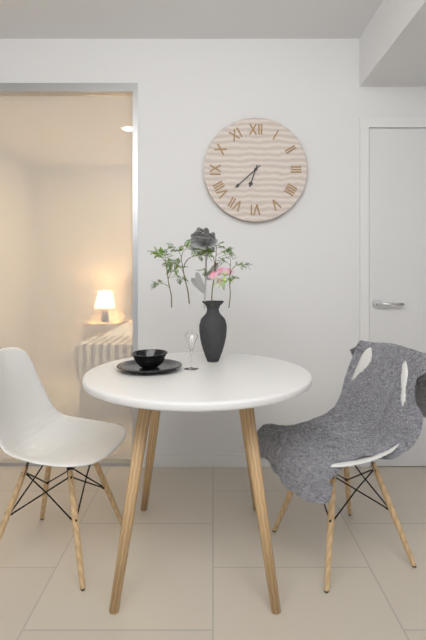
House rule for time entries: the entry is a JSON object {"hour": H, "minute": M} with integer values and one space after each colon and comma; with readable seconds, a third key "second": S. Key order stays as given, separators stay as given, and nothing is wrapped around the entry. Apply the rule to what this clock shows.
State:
{"hour": 6, "minute": 38}
